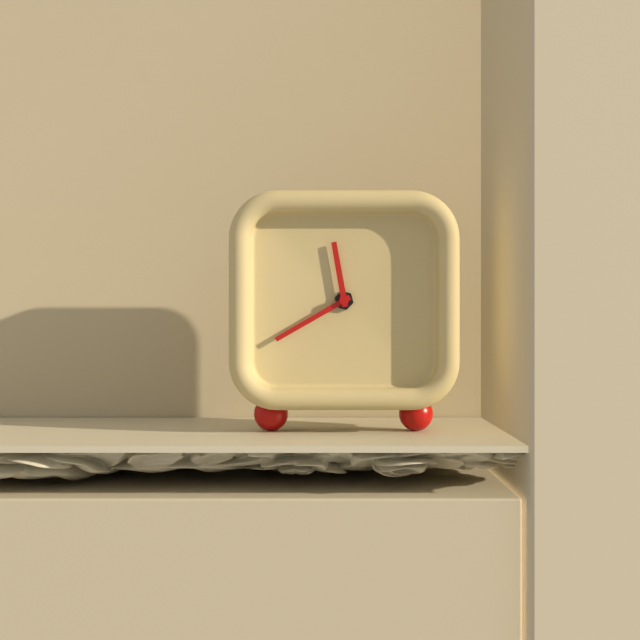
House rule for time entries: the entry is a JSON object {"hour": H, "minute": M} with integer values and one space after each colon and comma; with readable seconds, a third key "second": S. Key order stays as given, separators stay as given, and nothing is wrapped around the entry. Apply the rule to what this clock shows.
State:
{"hour": 11, "minute": 40}
